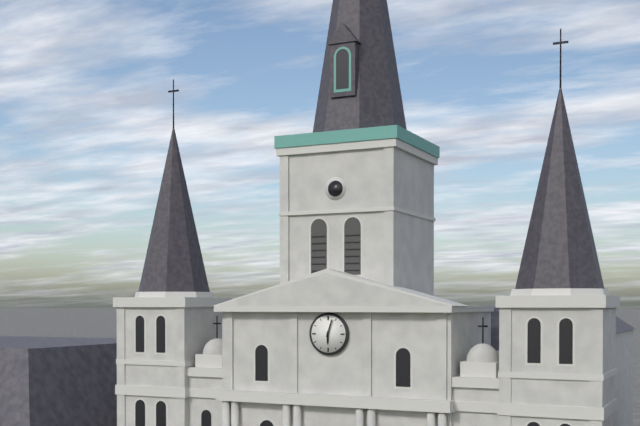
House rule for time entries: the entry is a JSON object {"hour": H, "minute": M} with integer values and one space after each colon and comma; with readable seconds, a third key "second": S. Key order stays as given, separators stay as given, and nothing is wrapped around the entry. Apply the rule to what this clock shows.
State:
{"hour": 6, "minute": 3}
